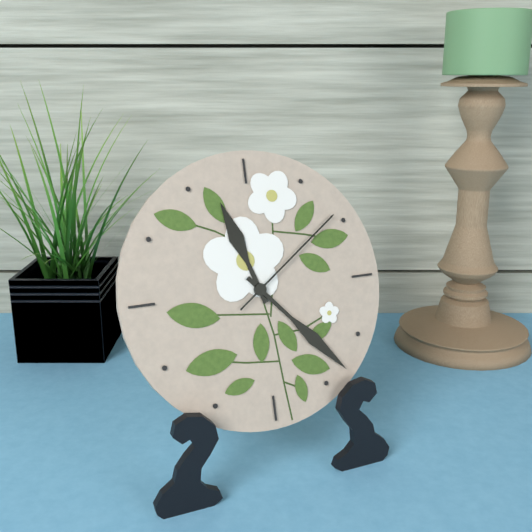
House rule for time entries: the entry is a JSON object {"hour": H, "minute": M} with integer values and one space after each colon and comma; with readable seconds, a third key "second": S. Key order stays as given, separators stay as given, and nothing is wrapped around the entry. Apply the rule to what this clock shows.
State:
{"hour": 11, "minute": 23, "second": 9}
